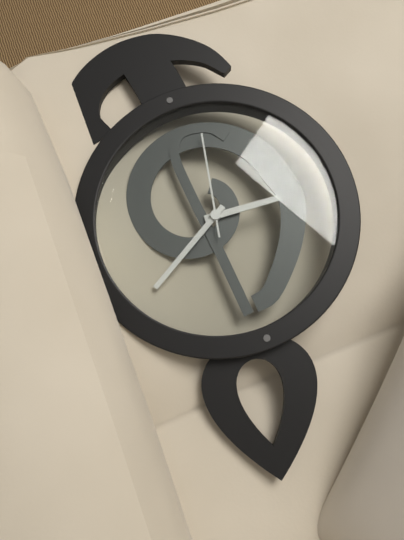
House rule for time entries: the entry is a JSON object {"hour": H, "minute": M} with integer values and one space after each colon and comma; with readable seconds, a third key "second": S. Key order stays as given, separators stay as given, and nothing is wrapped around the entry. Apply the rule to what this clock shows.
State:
{"hour": 9, "minute": 10, "second": 32}
